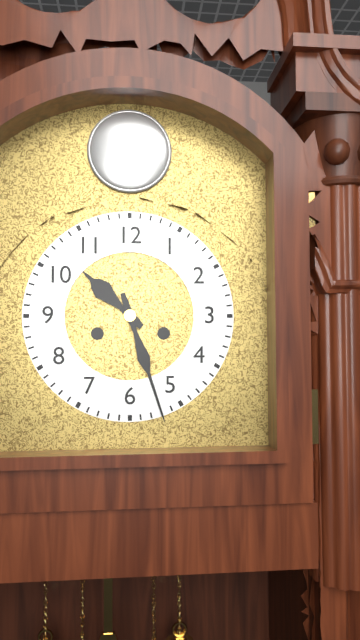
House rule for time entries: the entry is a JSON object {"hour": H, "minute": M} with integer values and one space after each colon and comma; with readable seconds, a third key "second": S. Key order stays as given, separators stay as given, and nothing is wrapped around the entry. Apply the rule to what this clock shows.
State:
{"hour": 10, "minute": 27}
